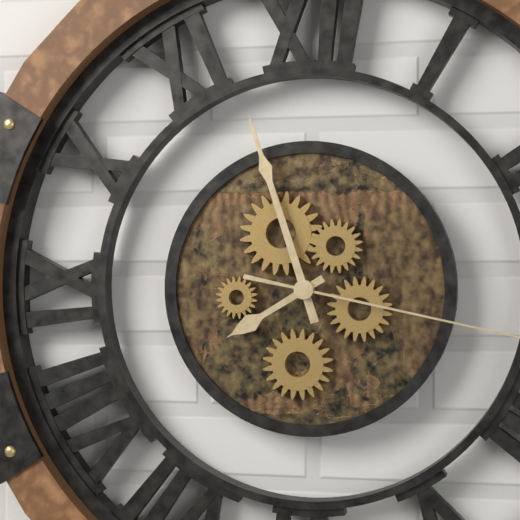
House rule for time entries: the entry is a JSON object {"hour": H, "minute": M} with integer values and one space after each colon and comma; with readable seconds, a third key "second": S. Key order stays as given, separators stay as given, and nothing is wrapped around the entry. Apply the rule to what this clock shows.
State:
{"hour": 7, "minute": 57}
